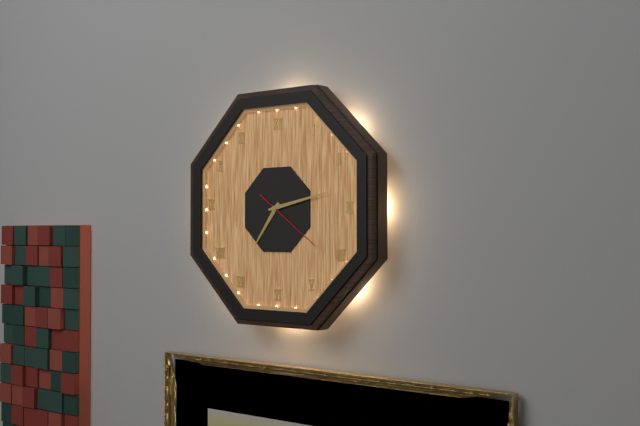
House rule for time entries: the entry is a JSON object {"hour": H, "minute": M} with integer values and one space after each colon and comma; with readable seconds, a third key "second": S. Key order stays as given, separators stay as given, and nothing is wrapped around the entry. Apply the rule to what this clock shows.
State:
{"hour": 7, "minute": 13, "second": 21}
